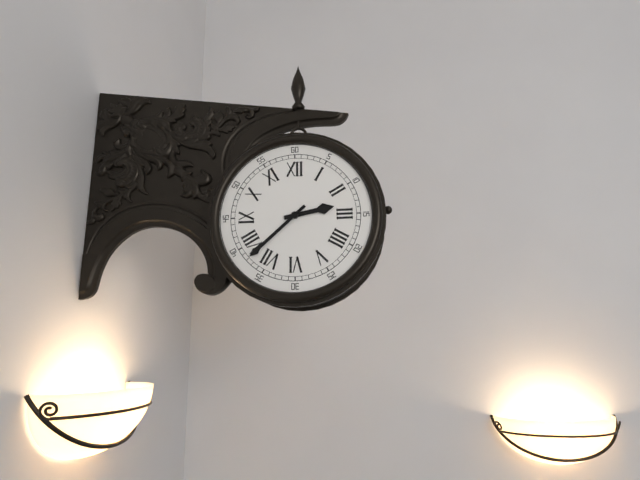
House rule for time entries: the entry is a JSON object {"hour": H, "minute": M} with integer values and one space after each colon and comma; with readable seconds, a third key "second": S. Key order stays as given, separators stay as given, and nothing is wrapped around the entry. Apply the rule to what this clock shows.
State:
{"hour": 2, "minute": 38}
